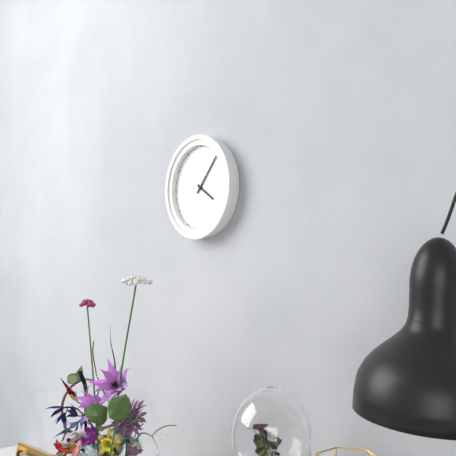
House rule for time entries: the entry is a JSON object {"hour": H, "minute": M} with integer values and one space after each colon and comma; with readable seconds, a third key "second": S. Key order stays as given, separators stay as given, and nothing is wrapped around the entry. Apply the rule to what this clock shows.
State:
{"hour": 4, "minute": 7}
